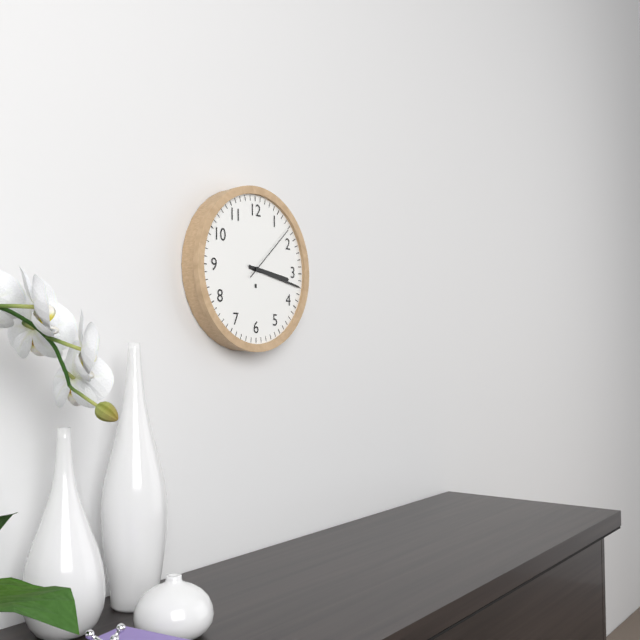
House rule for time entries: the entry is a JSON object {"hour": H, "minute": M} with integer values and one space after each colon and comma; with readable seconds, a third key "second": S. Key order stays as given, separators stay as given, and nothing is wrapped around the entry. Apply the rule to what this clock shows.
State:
{"hour": 3, "minute": 17, "second": 8}
